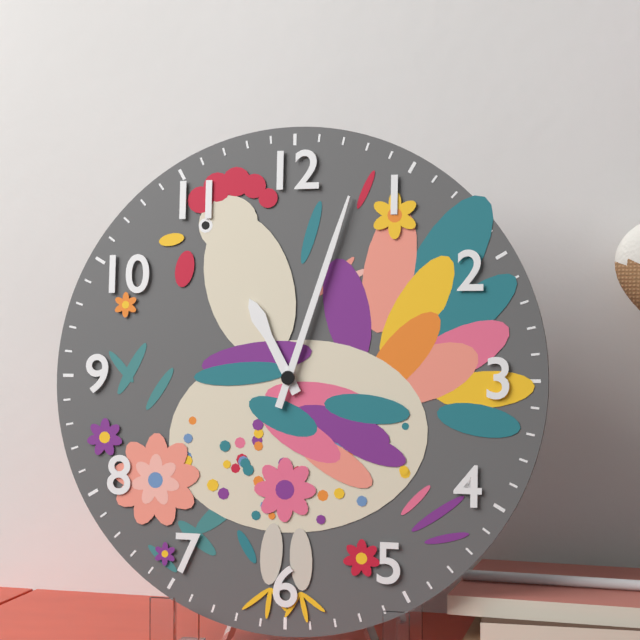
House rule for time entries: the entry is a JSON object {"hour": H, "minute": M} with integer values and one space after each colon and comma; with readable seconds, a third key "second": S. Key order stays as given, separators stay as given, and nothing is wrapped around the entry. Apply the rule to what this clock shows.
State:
{"hour": 11, "minute": 3}
